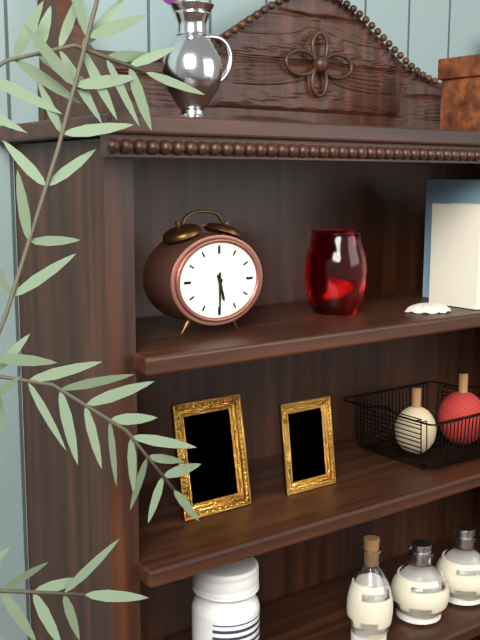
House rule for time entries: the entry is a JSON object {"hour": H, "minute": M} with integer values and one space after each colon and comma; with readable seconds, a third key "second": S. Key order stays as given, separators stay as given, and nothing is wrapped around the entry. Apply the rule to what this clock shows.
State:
{"hour": 5, "minute": 30}
